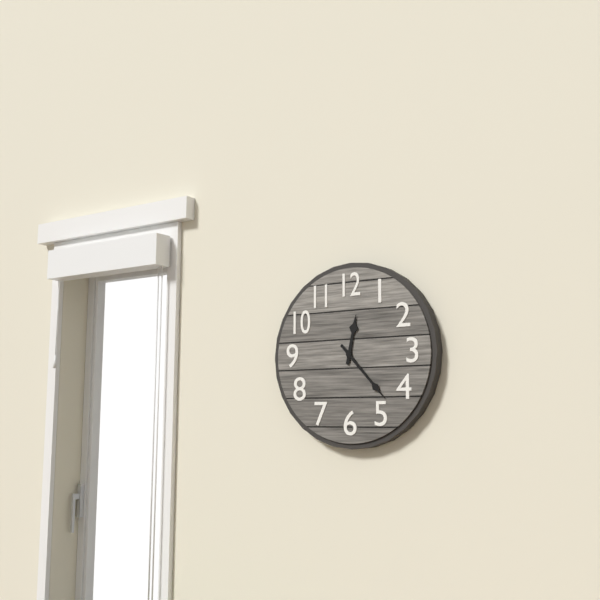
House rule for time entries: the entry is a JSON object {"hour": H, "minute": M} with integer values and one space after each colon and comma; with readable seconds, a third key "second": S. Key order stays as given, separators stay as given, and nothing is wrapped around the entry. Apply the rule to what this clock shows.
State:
{"hour": 12, "minute": 23}
